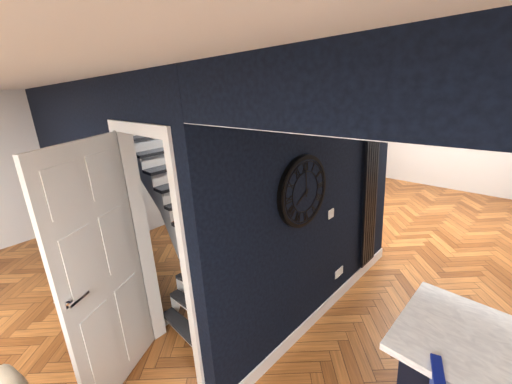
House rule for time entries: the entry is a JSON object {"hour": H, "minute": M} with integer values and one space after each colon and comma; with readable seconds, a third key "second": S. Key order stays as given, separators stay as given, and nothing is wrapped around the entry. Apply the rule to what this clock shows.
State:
{"hour": 8, "minute": 0}
